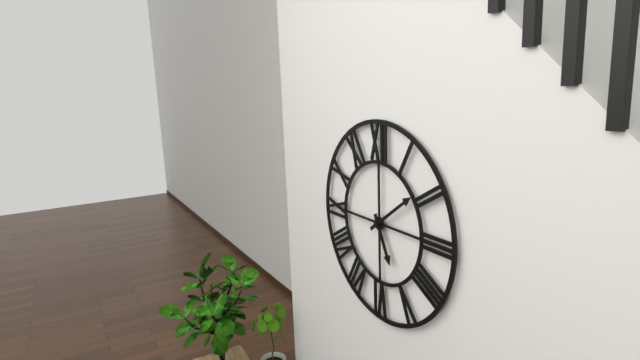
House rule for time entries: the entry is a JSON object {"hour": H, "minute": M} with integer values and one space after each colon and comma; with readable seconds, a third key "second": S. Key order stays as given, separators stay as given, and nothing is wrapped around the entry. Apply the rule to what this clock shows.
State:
{"hour": 5, "minute": 9}
